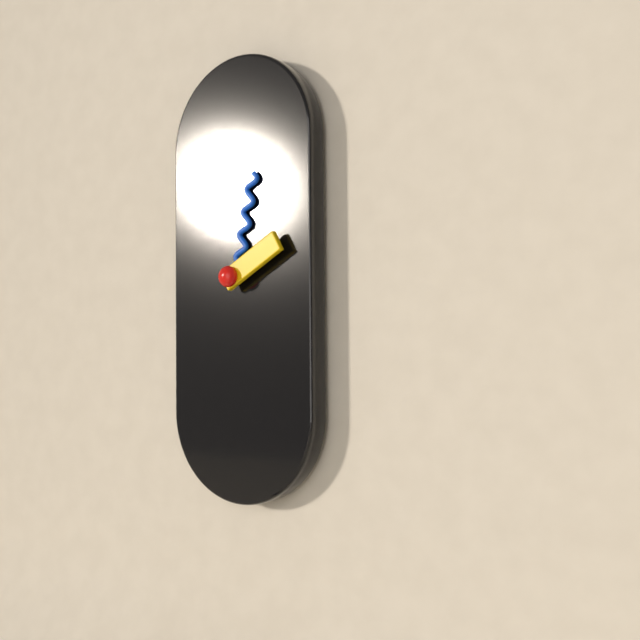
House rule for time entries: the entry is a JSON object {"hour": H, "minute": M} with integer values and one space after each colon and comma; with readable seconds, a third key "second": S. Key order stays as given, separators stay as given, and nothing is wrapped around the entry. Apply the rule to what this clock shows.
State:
{"hour": 2, "minute": 2}
